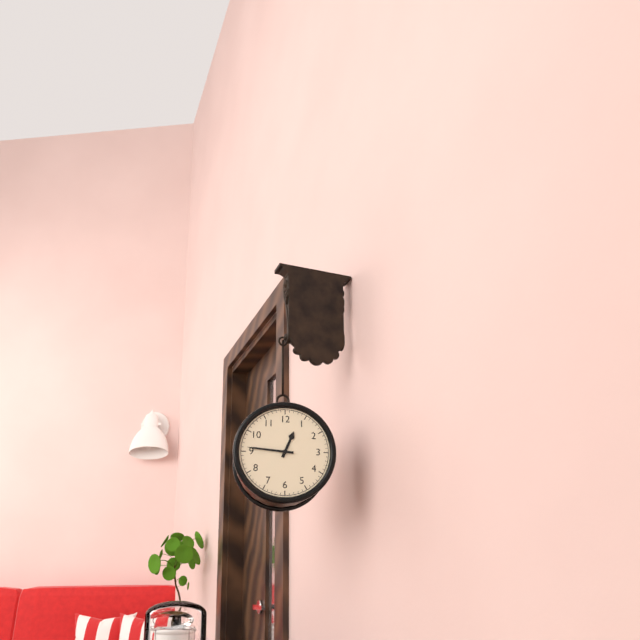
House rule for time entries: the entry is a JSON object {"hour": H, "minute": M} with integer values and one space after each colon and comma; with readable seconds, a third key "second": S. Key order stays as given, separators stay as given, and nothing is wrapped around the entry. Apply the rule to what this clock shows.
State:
{"hour": 12, "minute": 46}
